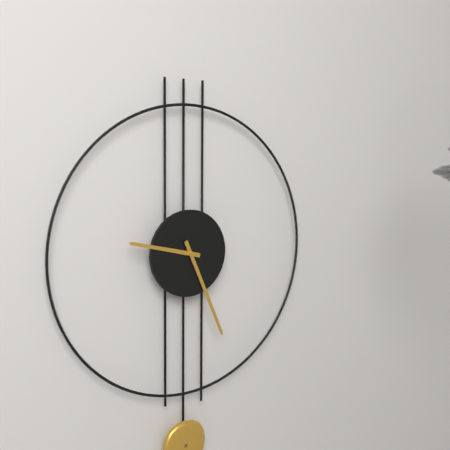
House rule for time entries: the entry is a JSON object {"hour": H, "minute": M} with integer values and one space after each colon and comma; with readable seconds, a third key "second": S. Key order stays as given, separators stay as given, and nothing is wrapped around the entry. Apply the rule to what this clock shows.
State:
{"hour": 9, "minute": 26}
